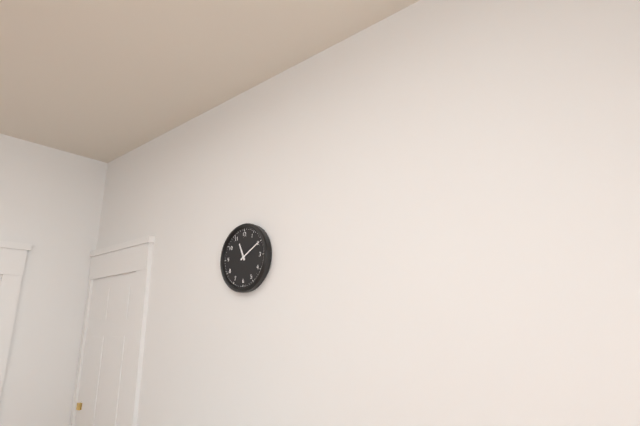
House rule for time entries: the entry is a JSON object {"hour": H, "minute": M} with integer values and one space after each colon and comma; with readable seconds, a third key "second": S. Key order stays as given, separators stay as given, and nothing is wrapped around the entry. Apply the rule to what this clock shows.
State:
{"hour": 11, "minute": 10}
